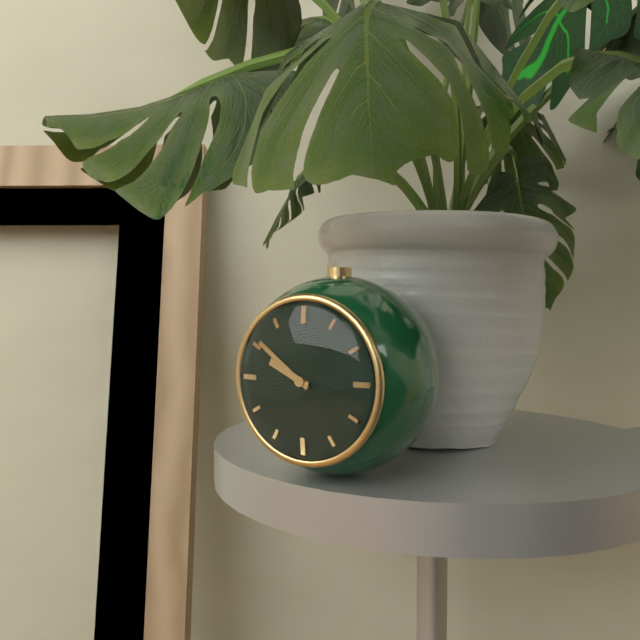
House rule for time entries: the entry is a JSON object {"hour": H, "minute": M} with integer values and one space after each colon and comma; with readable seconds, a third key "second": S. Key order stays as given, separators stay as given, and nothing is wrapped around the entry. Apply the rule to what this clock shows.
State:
{"hour": 9, "minute": 51}
